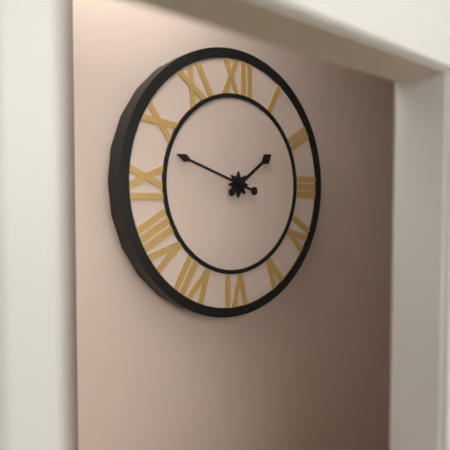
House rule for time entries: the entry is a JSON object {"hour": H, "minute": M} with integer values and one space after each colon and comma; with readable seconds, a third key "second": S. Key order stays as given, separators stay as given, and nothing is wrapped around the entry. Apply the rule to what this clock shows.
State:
{"hour": 1, "minute": 48}
